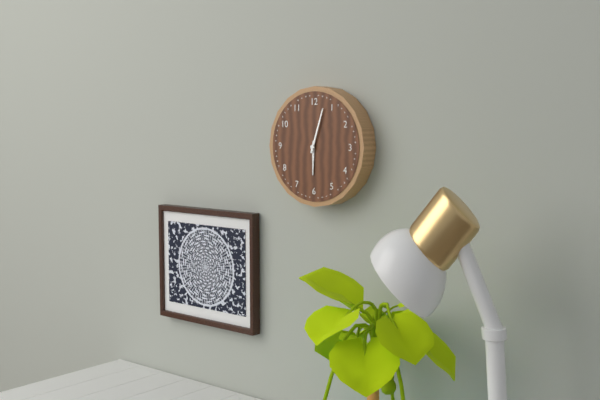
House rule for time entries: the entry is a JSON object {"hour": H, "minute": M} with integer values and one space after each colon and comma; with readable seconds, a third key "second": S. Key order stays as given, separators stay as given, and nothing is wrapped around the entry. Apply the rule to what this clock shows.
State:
{"hour": 6, "minute": 3}
